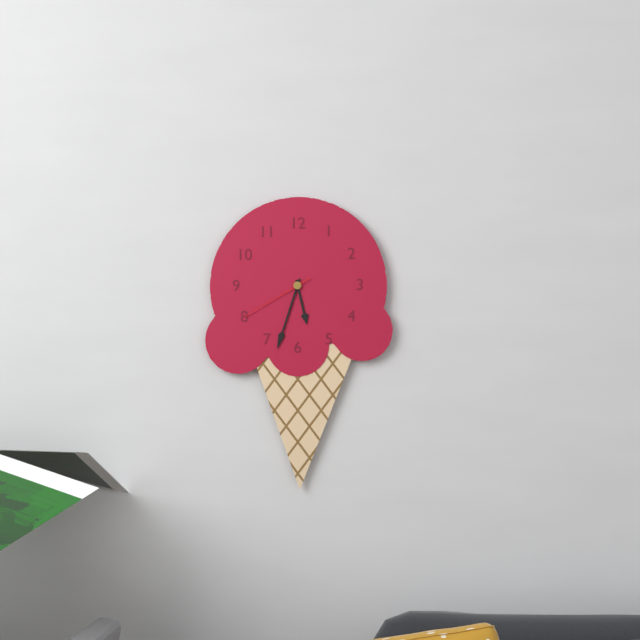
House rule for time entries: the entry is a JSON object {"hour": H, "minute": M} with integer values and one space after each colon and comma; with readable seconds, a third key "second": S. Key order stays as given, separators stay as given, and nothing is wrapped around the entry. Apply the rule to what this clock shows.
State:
{"hour": 5, "minute": 33, "second": 40}
